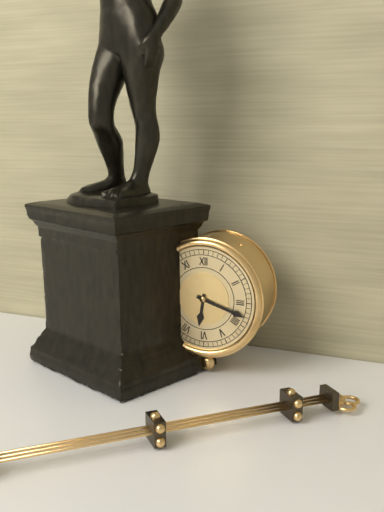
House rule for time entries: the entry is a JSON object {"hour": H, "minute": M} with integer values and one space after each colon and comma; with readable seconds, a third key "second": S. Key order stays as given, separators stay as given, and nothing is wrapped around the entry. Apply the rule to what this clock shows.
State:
{"hour": 6, "minute": 18}
